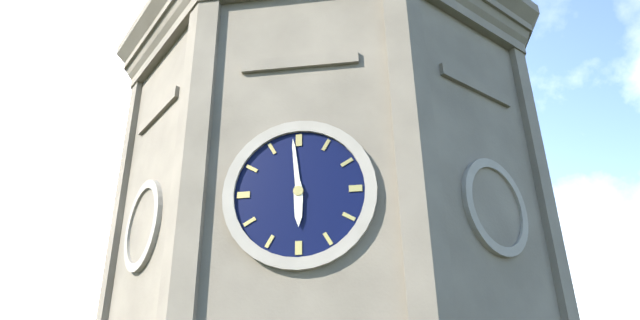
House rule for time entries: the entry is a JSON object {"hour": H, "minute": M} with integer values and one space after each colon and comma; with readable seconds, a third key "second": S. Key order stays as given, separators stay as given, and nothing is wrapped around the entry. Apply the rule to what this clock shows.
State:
{"hour": 5, "minute": 59}
